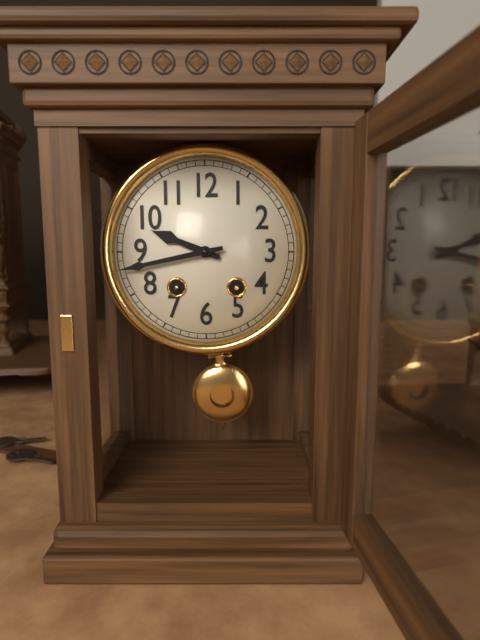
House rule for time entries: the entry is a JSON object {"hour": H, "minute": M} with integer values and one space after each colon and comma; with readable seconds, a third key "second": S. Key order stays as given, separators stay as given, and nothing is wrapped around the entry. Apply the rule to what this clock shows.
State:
{"hour": 9, "minute": 43}
